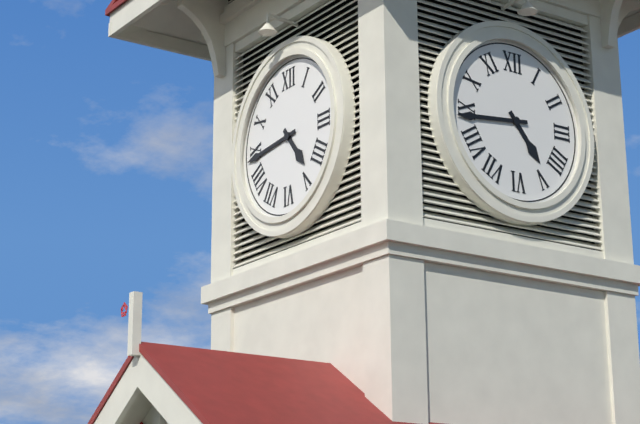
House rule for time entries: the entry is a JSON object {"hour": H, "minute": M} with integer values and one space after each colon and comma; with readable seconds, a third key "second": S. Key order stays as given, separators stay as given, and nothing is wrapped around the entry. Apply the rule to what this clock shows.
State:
{"hour": 4, "minute": 44}
